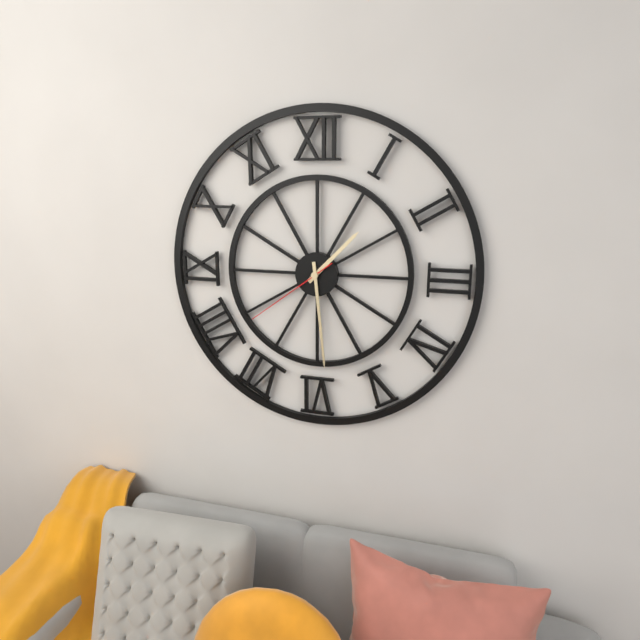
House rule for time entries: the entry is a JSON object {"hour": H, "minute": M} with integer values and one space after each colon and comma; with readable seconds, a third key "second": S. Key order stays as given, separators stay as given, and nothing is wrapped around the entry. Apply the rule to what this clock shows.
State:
{"hour": 1, "minute": 29, "second": 39}
